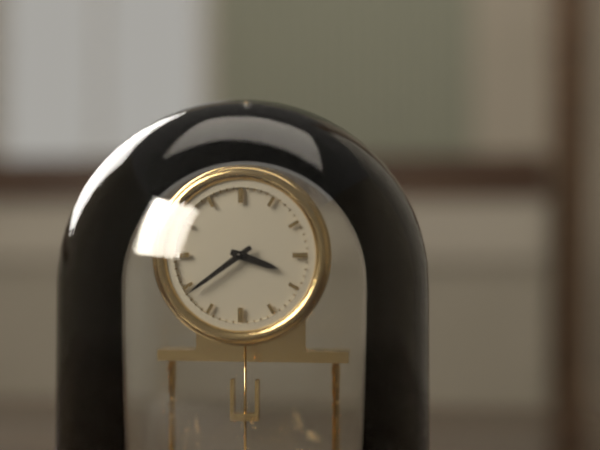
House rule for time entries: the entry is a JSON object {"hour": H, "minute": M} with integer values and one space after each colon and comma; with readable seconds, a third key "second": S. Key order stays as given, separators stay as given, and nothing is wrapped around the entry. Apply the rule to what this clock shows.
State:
{"hour": 3, "minute": 39}
